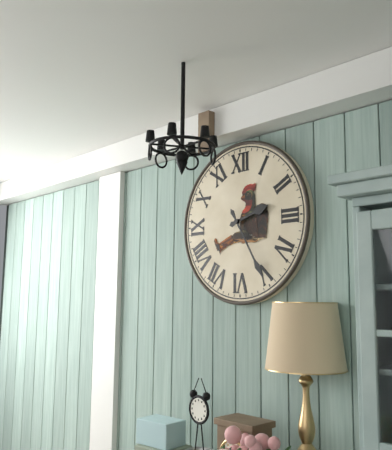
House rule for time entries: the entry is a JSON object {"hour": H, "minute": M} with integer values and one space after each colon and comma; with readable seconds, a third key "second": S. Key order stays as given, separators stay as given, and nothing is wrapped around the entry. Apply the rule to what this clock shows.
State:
{"hour": 2, "minute": 25}
